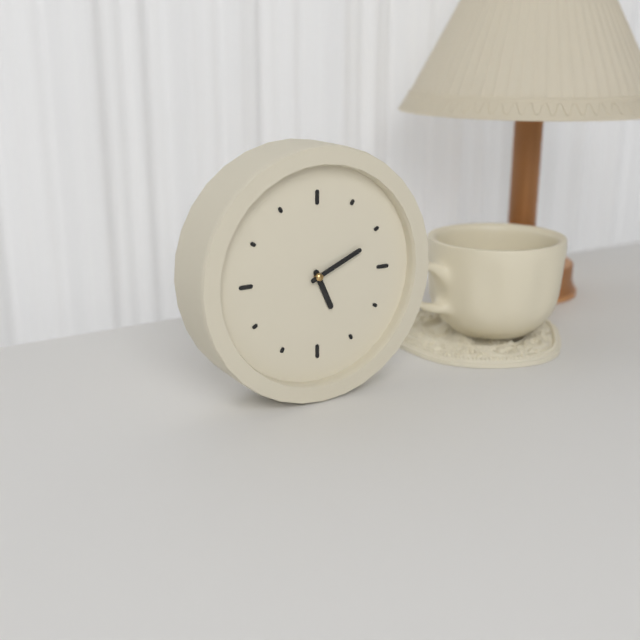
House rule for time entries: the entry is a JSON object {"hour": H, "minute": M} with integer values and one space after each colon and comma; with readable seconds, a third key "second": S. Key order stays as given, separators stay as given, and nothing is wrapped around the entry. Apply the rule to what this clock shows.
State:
{"hour": 5, "minute": 11}
